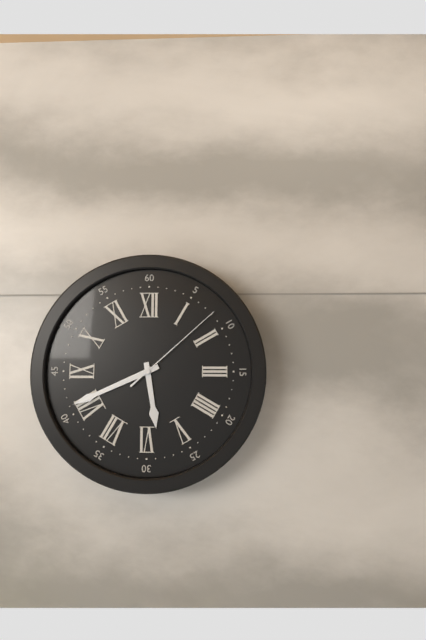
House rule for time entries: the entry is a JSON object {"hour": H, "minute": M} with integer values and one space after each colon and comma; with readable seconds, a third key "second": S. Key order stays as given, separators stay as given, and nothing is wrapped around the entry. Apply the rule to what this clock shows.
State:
{"hour": 5, "minute": 41, "second": 8}
